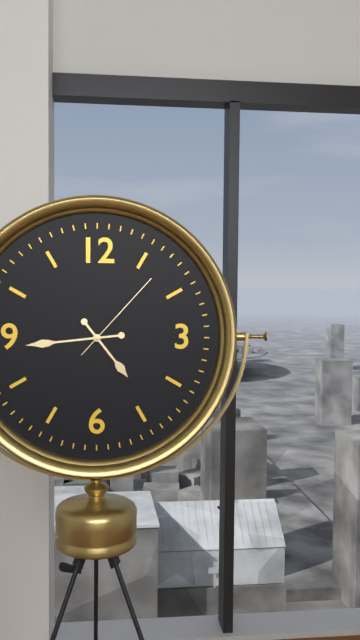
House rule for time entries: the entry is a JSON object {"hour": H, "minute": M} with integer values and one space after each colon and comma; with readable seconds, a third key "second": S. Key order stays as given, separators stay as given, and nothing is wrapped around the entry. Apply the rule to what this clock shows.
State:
{"hour": 4, "minute": 44, "second": 7}
